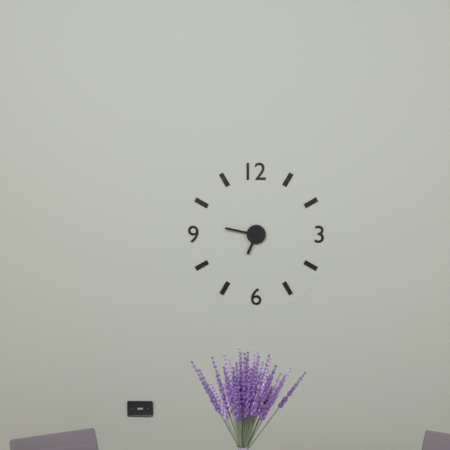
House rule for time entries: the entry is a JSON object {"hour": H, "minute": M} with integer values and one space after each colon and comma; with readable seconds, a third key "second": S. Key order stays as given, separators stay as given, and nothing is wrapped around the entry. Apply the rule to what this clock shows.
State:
{"hour": 6, "minute": 47}
